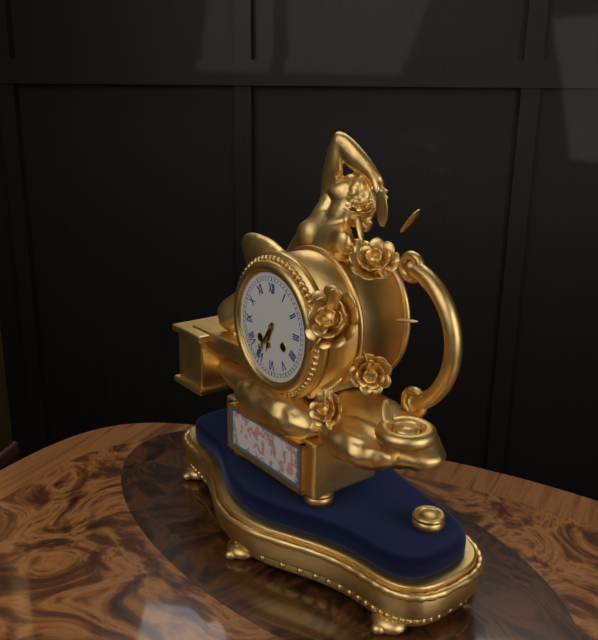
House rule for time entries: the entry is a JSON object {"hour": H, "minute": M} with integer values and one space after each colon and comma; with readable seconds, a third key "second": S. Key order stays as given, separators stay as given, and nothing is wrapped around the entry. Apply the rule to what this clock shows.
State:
{"hour": 6, "minute": 36}
